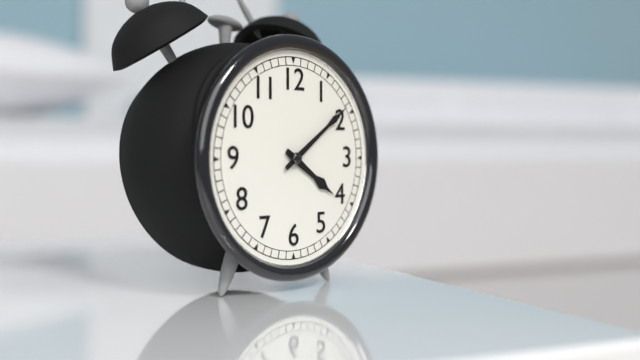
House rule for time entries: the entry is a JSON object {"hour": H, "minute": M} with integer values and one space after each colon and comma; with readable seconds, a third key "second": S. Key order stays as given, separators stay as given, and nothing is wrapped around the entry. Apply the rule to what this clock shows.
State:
{"hour": 4, "minute": 9}
